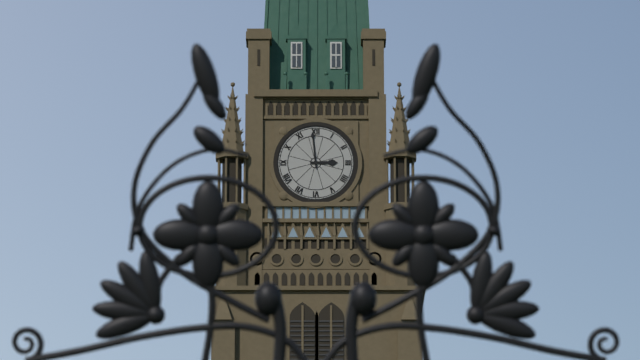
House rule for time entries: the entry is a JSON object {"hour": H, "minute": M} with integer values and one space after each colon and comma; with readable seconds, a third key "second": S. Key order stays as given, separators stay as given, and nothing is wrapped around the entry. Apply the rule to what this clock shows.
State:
{"hour": 2, "minute": 59}
